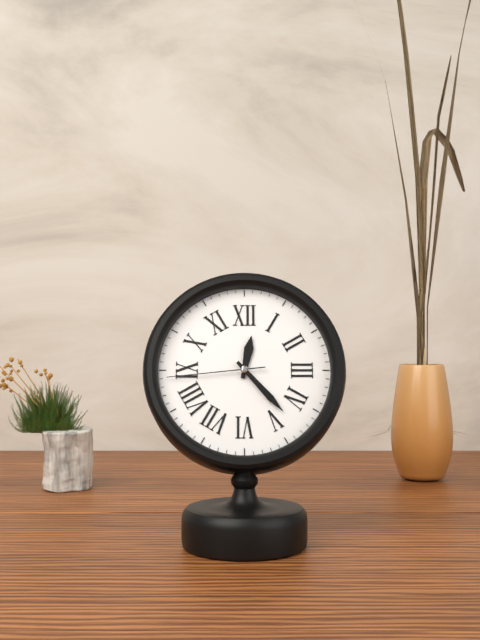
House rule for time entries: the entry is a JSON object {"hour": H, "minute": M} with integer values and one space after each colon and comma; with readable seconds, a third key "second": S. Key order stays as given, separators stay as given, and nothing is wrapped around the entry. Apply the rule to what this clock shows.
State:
{"hour": 12, "minute": 23, "second": 44}
